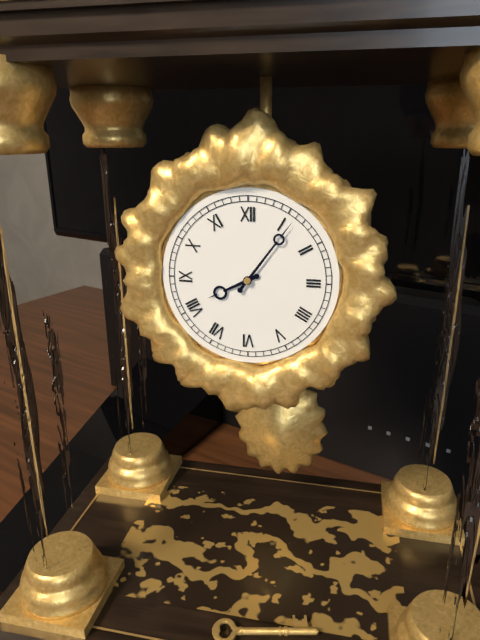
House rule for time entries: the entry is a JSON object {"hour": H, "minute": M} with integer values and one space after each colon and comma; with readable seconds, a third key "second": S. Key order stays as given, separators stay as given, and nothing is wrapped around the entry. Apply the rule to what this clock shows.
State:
{"hour": 8, "minute": 6}
